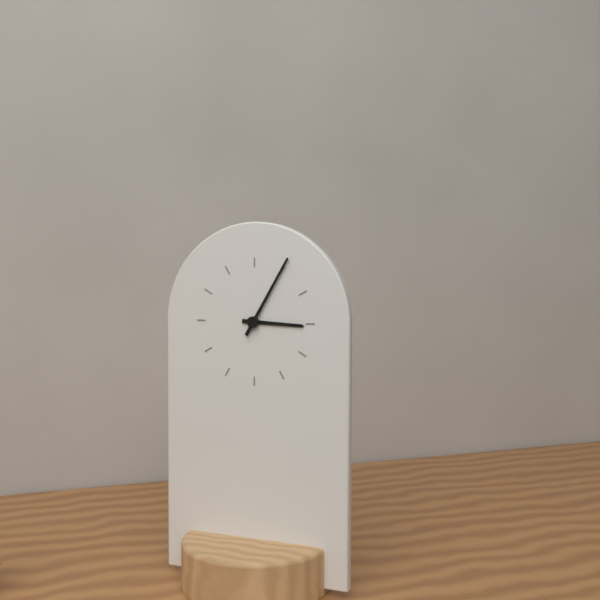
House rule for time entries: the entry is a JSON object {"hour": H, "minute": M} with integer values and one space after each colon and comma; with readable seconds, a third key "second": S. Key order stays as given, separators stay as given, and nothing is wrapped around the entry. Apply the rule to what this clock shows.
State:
{"hour": 3, "minute": 5}
